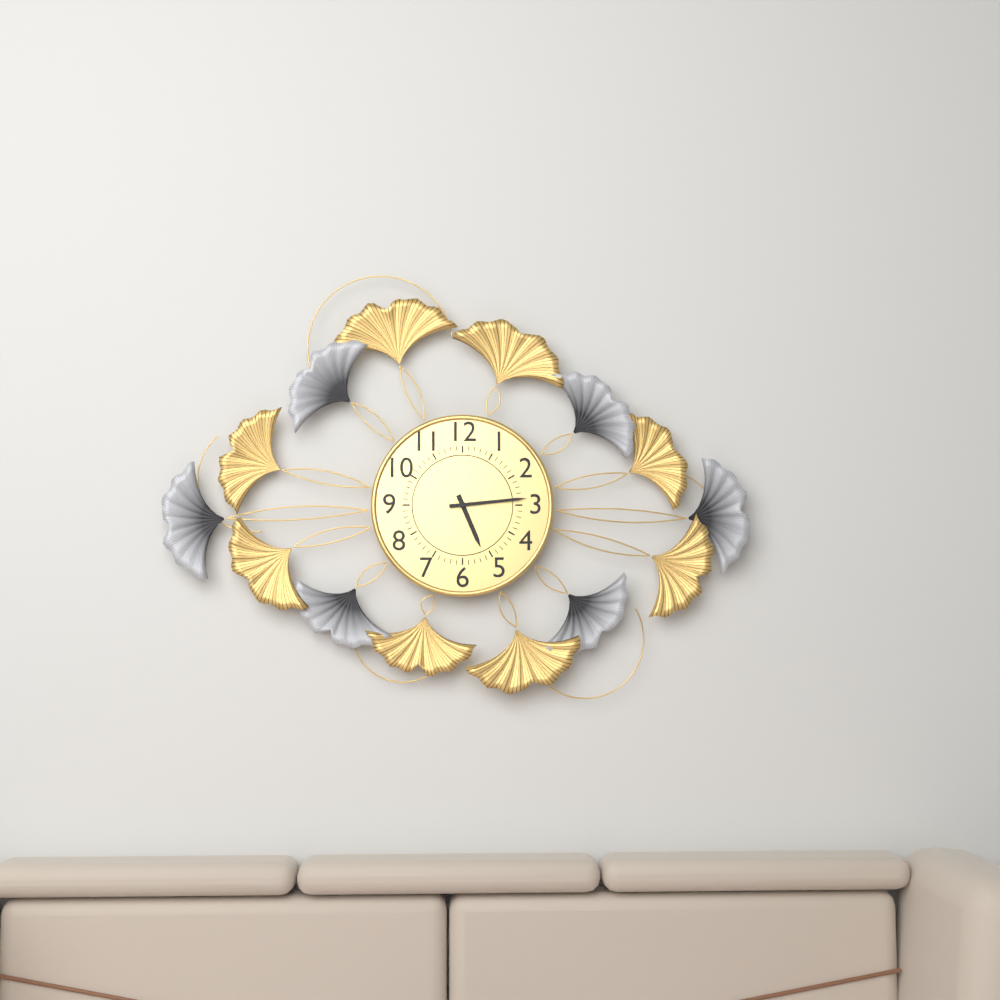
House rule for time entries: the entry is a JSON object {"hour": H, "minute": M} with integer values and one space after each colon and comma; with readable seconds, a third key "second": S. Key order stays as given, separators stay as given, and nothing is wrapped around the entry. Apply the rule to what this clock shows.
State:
{"hour": 5, "minute": 14}
